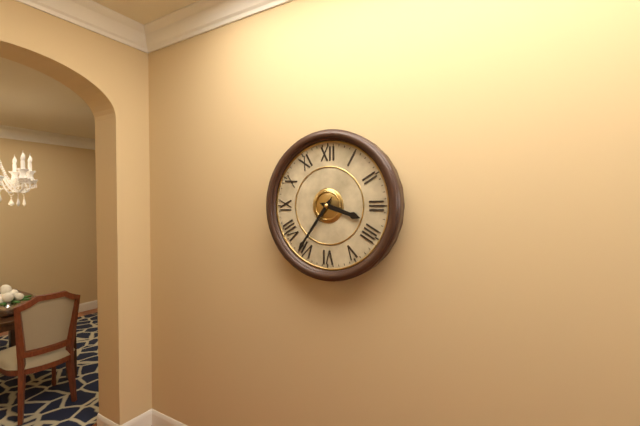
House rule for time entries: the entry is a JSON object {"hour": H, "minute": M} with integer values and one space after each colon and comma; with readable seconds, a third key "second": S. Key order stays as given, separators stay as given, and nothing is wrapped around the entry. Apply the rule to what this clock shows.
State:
{"hour": 3, "minute": 36}
